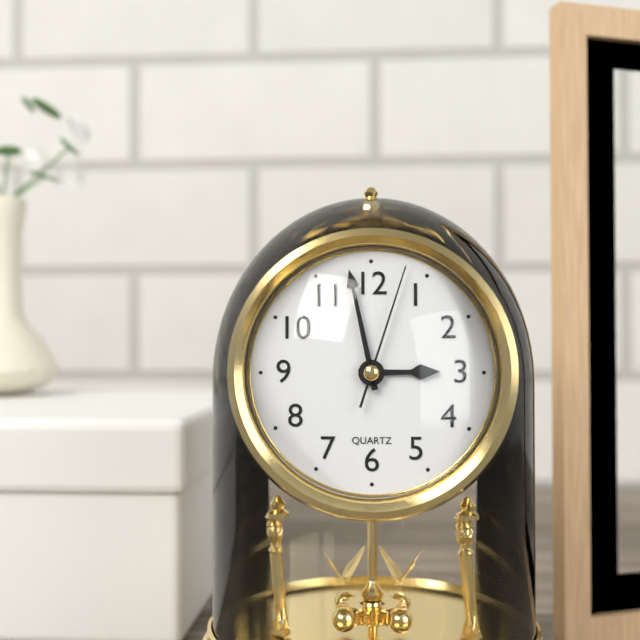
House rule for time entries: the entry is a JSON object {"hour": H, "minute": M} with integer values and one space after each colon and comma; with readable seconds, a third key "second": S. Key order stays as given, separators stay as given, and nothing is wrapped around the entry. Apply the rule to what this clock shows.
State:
{"hour": 2, "minute": 58, "second": 3}
